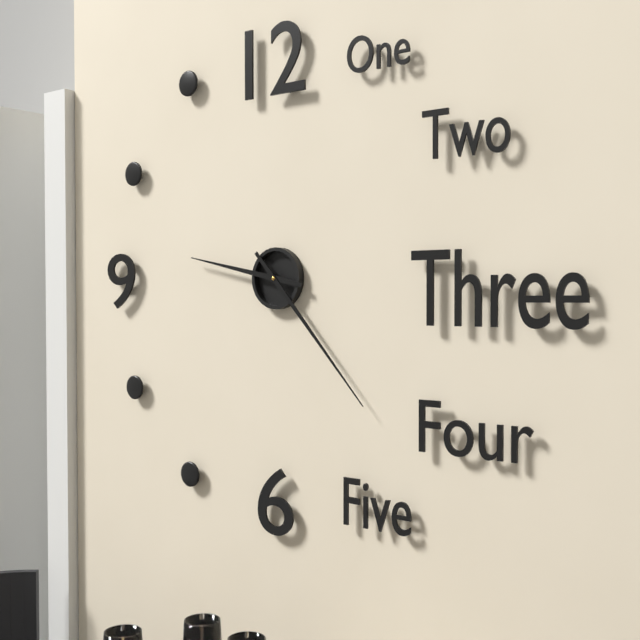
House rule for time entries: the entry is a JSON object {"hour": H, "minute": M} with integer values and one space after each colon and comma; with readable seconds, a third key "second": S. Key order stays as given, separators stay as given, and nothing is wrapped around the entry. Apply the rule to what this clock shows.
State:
{"hour": 9, "minute": 23}
